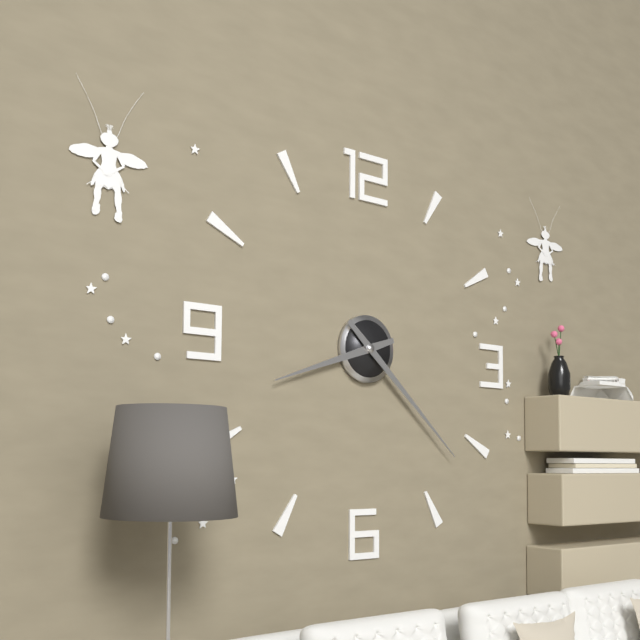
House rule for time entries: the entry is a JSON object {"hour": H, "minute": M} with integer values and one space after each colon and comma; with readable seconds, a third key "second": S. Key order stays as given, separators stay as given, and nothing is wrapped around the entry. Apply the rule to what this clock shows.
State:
{"hour": 8, "minute": 22}
